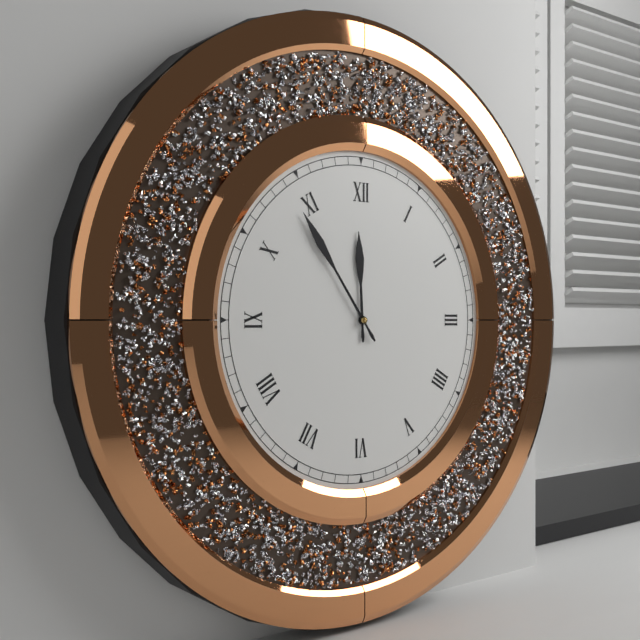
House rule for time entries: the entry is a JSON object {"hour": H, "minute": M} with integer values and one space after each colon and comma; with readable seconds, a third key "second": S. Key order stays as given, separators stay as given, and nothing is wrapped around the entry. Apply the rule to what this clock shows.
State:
{"hour": 11, "minute": 54}
